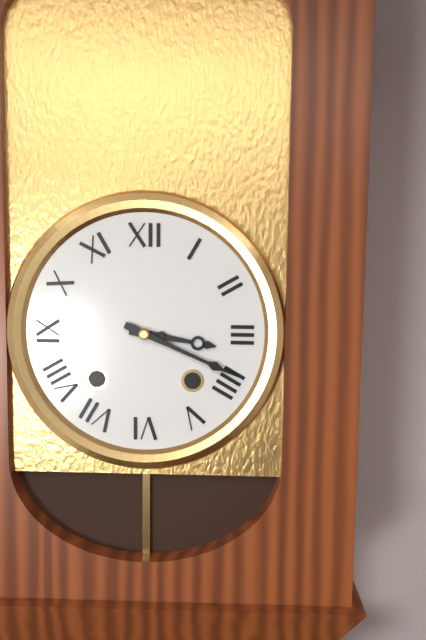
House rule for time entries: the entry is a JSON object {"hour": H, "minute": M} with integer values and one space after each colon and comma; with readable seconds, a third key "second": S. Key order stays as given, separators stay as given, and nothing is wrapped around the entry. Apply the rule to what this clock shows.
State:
{"hour": 3, "minute": 19}
